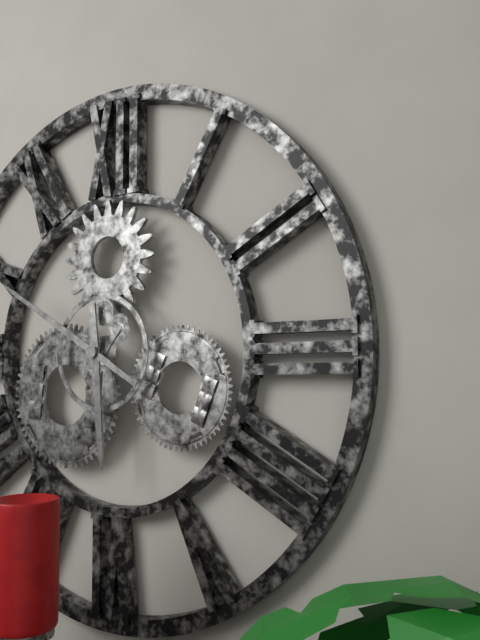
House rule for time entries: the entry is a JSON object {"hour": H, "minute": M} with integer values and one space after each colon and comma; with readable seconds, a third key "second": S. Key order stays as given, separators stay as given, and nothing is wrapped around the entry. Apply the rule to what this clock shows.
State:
{"hour": 5, "minute": 50}
